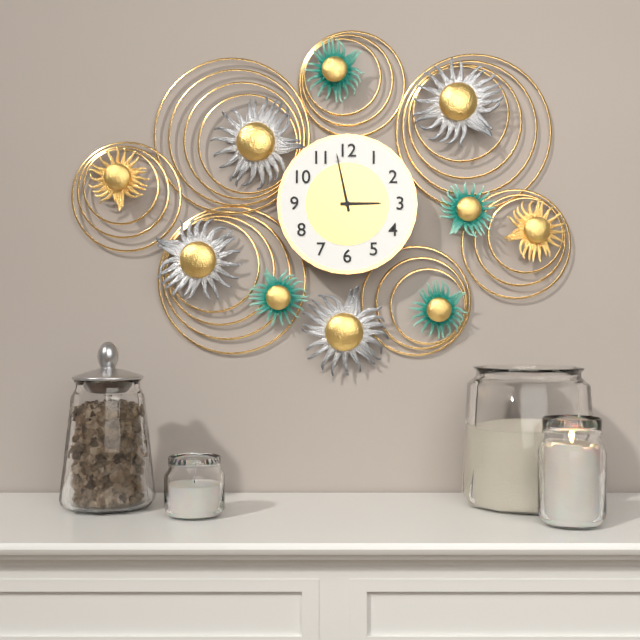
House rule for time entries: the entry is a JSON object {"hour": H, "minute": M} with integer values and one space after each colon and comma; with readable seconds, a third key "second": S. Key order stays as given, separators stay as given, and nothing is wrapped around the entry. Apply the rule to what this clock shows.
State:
{"hour": 2, "minute": 58}
